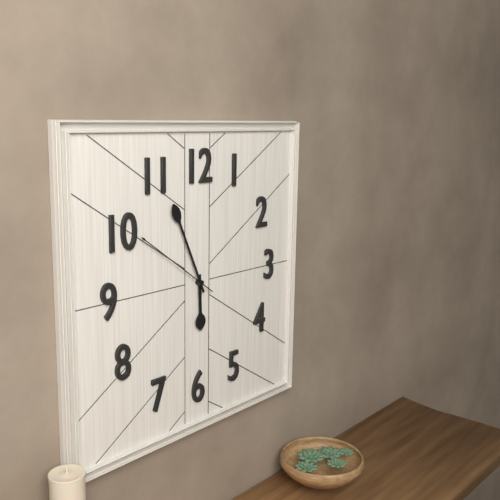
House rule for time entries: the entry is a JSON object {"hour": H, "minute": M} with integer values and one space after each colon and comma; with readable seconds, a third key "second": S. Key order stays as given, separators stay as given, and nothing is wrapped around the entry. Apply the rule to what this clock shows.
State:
{"hour": 5, "minute": 56, "second": 51}
